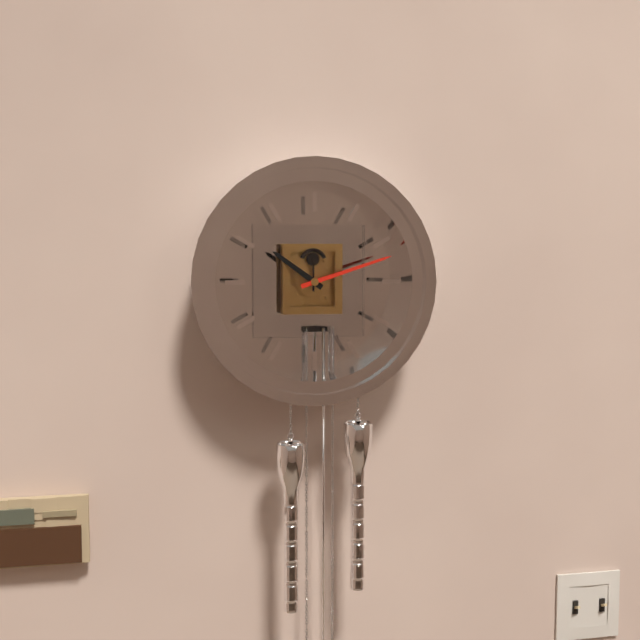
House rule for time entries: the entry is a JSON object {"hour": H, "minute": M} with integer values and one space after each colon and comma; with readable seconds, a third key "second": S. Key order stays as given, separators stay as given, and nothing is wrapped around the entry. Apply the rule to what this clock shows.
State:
{"hour": 10, "minute": 12}
